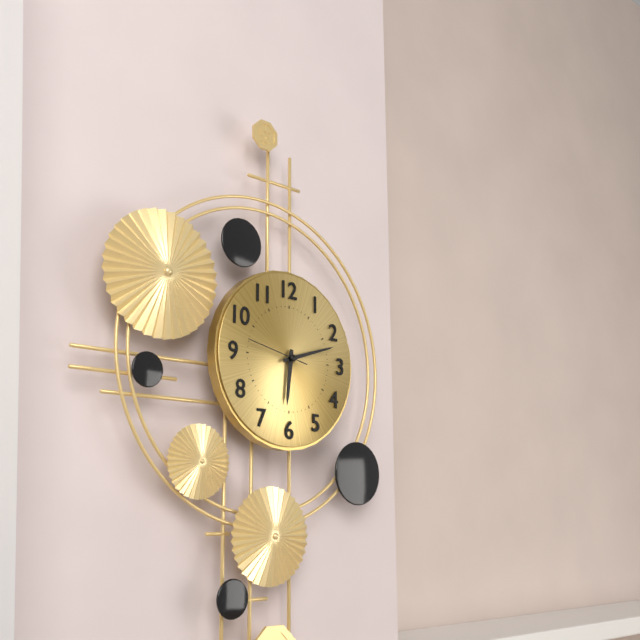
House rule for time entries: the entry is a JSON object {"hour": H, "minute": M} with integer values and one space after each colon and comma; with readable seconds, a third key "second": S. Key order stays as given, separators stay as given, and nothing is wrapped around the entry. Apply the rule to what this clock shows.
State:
{"hour": 6, "minute": 12, "second": 47}
